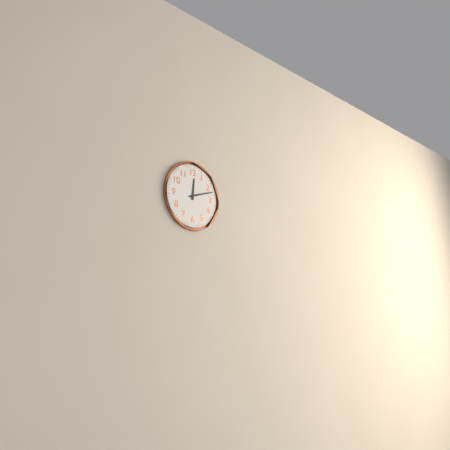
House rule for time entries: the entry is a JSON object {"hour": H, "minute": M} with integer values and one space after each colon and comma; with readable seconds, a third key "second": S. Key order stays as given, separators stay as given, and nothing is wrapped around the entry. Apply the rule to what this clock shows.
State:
{"hour": 12, "minute": 12}
